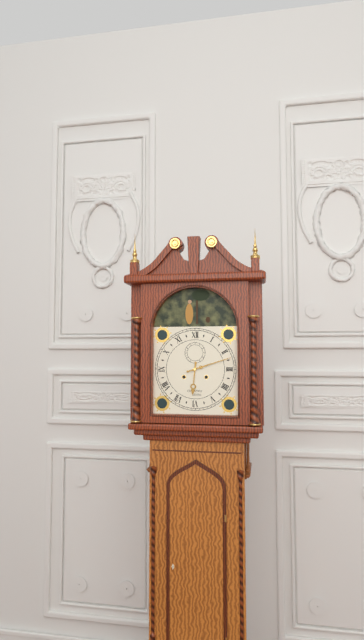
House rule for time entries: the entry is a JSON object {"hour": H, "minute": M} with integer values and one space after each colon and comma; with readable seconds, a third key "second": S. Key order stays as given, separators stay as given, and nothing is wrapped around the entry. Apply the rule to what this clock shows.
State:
{"hour": 6, "minute": 12}
